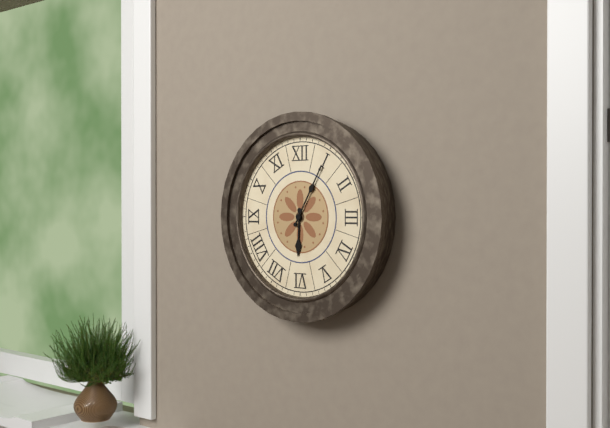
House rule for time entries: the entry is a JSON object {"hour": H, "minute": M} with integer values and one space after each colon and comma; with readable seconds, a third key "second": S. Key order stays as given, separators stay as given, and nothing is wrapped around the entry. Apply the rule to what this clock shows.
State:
{"hour": 6, "minute": 5}
